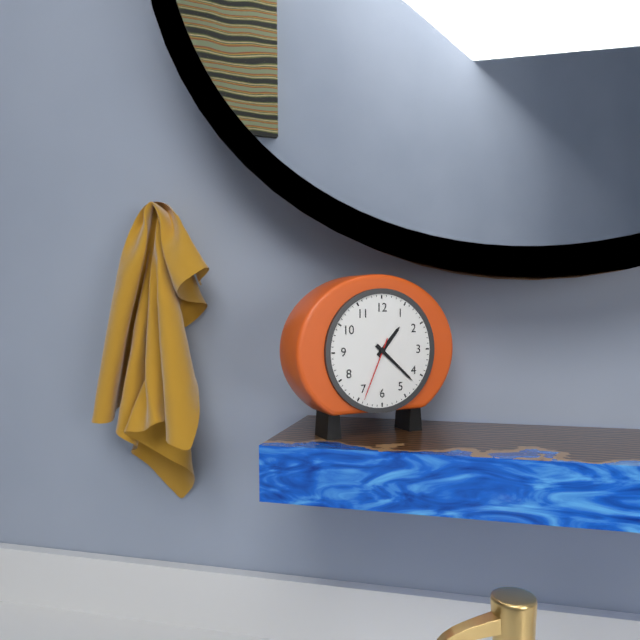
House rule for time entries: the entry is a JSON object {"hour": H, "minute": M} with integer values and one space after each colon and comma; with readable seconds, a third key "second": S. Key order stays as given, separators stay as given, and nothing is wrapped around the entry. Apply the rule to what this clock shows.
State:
{"hour": 1, "minute": 22, "second": 34}
